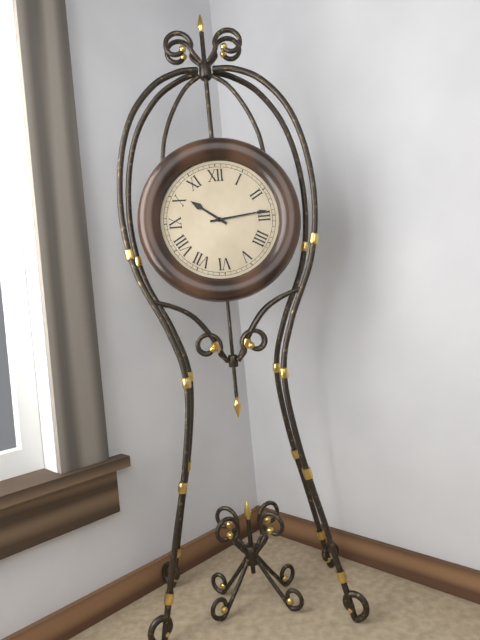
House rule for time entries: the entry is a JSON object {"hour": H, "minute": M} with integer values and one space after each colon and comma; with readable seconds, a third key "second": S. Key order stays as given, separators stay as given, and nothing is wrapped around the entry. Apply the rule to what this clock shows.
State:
{"hour": 10, "minute": 14}
